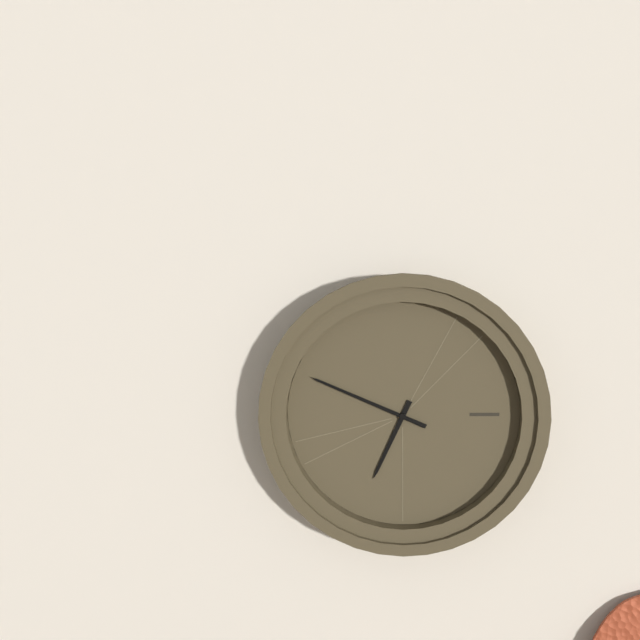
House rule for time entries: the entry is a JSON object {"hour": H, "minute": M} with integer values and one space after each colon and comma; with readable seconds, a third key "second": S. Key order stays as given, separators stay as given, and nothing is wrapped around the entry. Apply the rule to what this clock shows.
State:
{"hour": 6, "minute": 49}
